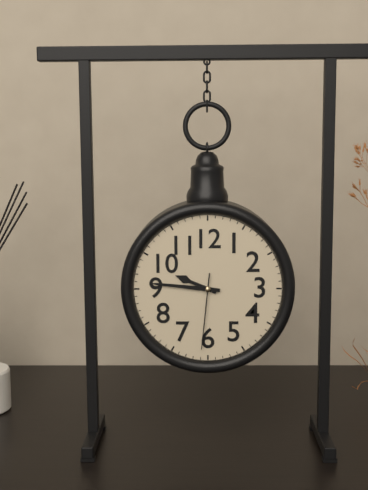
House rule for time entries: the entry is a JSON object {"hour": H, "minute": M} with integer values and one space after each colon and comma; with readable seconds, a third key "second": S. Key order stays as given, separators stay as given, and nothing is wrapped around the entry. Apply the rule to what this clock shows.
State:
{"hour": 9, "minute": 46, "second": 31}
